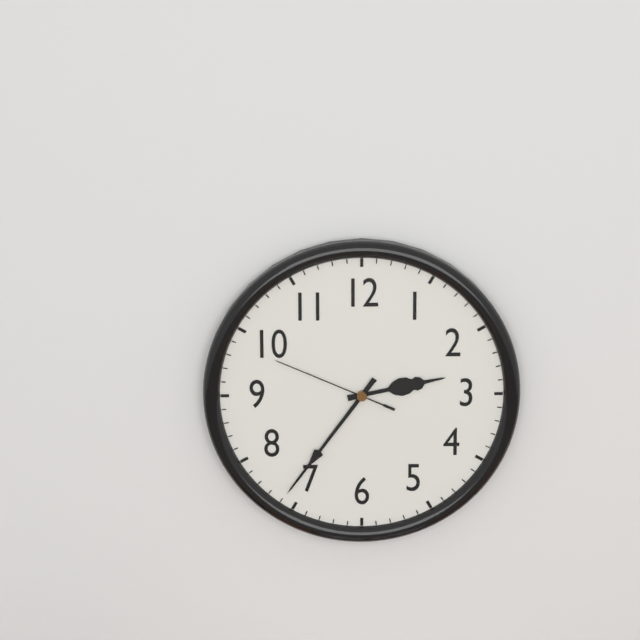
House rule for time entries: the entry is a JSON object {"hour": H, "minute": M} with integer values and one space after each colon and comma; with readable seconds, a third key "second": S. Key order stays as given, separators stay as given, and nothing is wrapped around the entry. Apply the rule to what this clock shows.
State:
{"hour": 2, "minute": 36, "second": 49}
